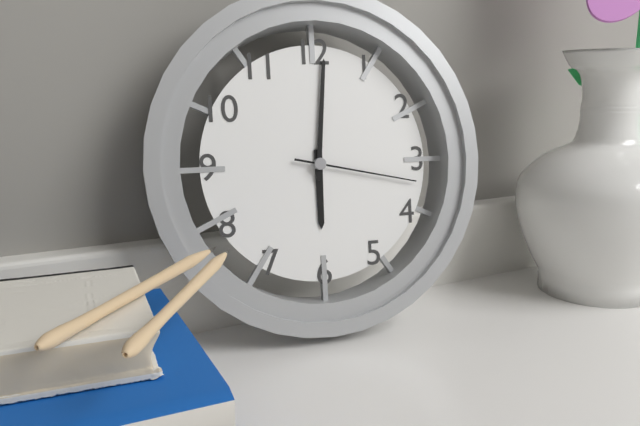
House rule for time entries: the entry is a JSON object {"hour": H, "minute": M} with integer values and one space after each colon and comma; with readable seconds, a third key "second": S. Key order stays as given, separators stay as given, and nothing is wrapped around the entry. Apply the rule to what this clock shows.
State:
{"hour": 6, "minute": 1, "second": 17}
